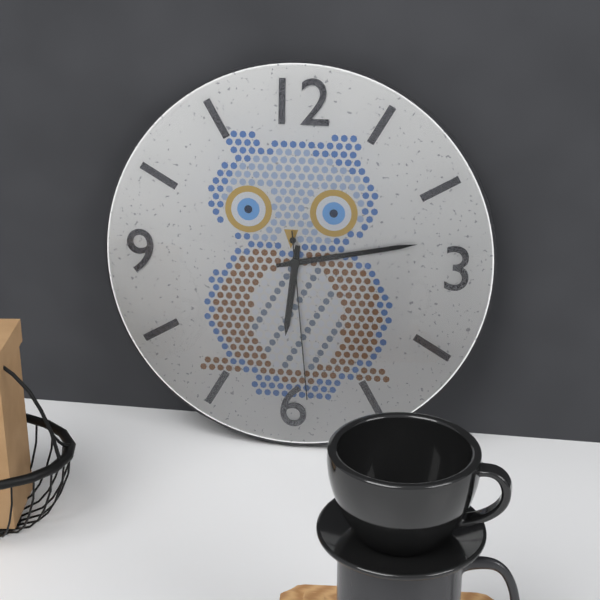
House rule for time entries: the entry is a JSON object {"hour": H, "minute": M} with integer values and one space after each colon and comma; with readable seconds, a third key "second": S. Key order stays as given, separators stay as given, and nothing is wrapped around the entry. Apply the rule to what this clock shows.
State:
{"hour": 6, "minute": 13, "second": 29}
